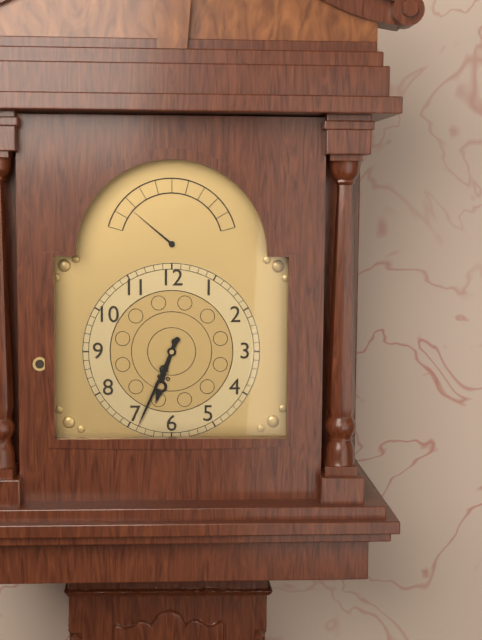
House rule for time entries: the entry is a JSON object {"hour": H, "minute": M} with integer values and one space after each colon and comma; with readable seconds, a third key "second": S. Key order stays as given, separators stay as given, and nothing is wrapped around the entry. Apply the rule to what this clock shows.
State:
{"hour": 6, "minute": 34}
